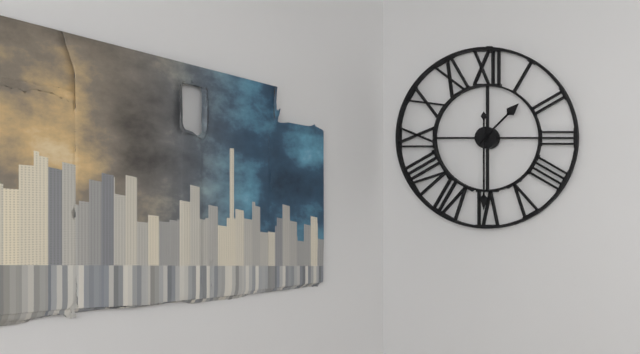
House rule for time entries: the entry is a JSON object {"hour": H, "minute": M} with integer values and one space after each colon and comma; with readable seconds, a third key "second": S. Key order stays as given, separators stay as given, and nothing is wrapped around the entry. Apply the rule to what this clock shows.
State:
{"hour": 1, "minute": 30}
